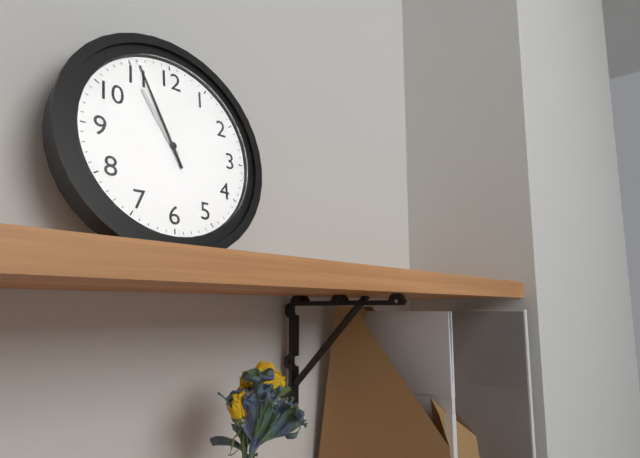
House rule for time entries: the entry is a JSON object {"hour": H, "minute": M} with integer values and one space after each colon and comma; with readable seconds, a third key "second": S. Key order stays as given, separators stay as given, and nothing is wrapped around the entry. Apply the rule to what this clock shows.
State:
{"hour": 10, "minute": 56}
